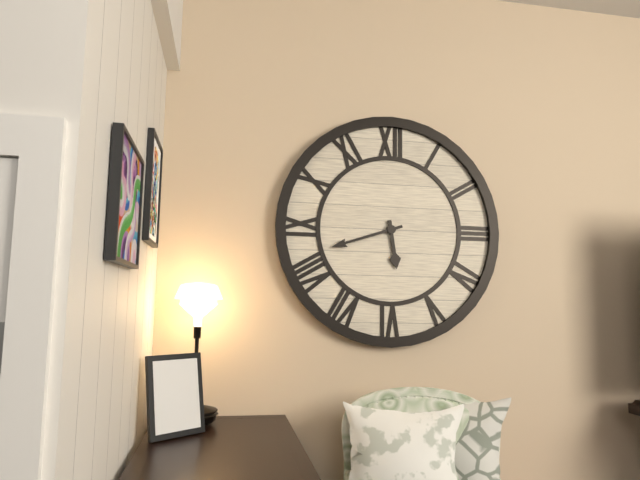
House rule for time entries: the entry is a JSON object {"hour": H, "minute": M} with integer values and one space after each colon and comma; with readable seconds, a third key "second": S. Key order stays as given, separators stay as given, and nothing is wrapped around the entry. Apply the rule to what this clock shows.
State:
{"hour": 5, "minute": 42}
